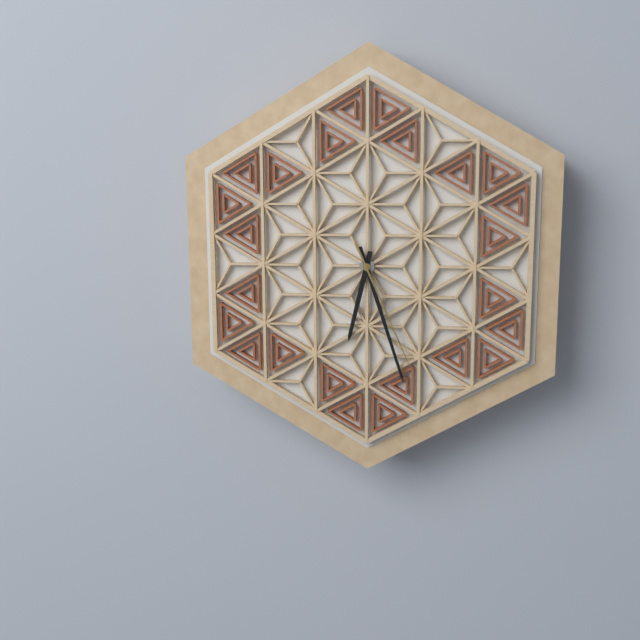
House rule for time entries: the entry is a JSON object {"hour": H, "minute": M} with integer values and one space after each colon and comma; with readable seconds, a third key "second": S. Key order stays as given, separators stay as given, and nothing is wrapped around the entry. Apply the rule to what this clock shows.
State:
{"hour": 6, "minute": 27, "second": 26}
